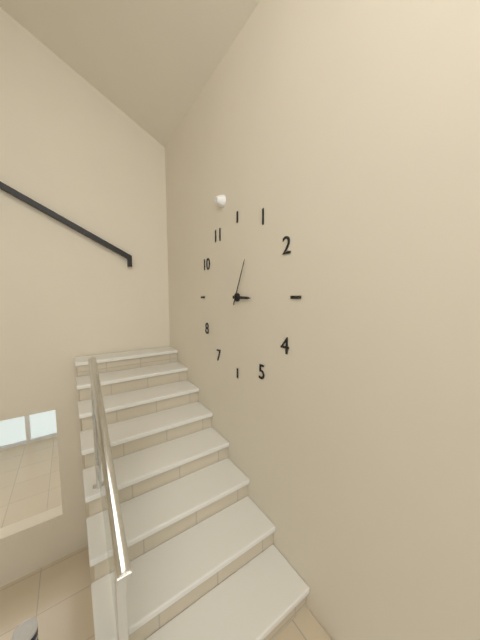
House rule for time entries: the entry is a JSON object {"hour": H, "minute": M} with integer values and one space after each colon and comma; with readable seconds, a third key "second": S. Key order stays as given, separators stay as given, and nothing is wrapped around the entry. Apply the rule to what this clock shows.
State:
{"hour": 3, "minute": 4}
